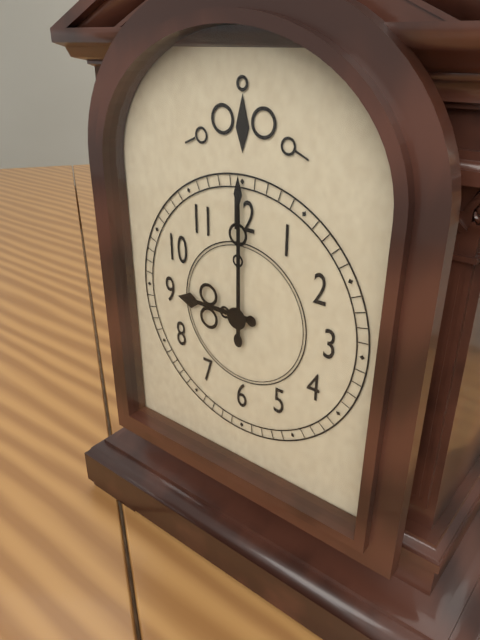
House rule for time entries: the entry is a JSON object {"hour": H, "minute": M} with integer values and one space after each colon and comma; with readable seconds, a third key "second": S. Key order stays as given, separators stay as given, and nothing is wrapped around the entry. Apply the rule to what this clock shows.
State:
{"hour": 9, "minute": 0}
